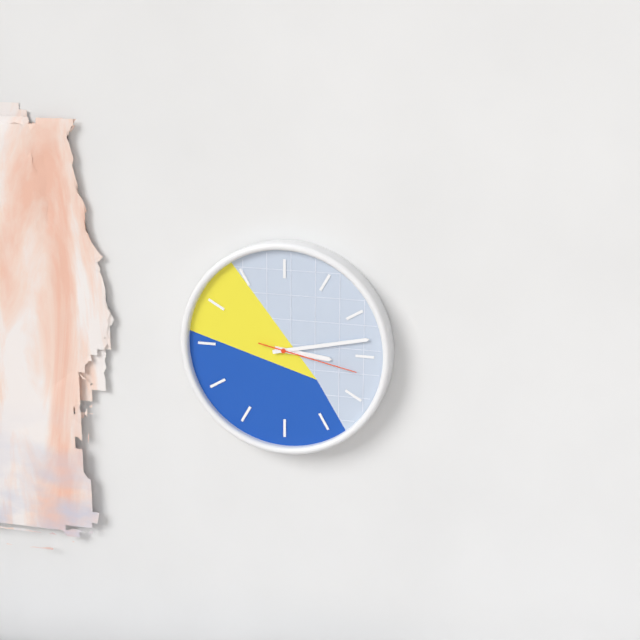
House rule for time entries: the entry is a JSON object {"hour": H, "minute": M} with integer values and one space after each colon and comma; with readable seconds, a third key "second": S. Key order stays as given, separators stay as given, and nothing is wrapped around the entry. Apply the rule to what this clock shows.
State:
{"hour": 3, "minute": 13, "second": 17}
